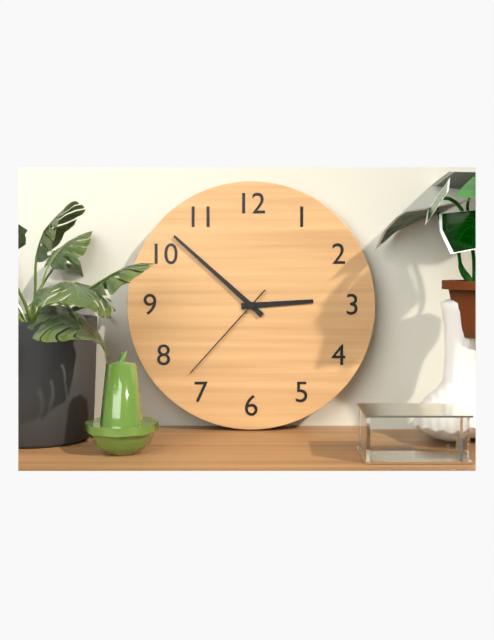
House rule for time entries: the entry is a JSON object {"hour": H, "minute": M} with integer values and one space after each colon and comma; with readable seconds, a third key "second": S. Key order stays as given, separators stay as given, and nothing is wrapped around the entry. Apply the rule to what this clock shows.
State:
{"hour": 2, "minute": 52, "second": 37}
